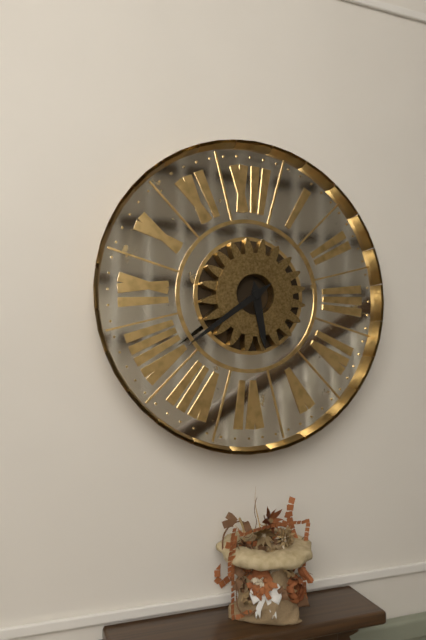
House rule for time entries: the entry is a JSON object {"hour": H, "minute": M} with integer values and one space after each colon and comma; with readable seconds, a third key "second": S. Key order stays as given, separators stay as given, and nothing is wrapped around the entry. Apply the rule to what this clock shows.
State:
{"hour": 5, "minute": 39}
